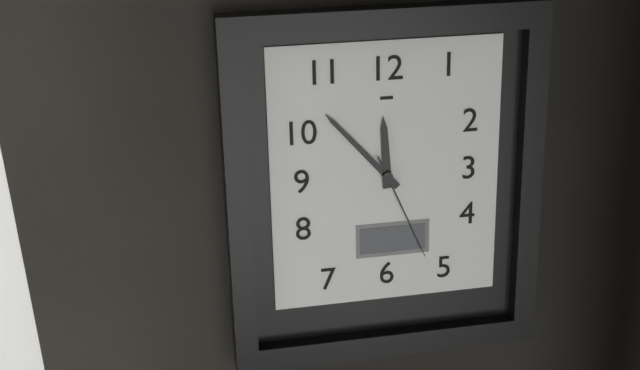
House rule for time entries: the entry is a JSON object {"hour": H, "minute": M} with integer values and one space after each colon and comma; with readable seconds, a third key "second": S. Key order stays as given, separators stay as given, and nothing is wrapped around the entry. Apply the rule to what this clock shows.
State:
{"hour": 11, "minute": 53, "second": 26}
